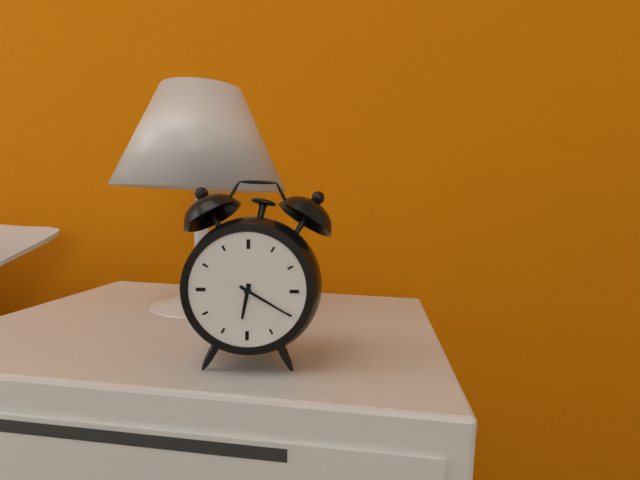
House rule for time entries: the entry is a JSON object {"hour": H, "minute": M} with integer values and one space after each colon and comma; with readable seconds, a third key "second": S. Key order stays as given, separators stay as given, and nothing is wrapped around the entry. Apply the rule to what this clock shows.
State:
{"hour": 6, "minute": 20}
